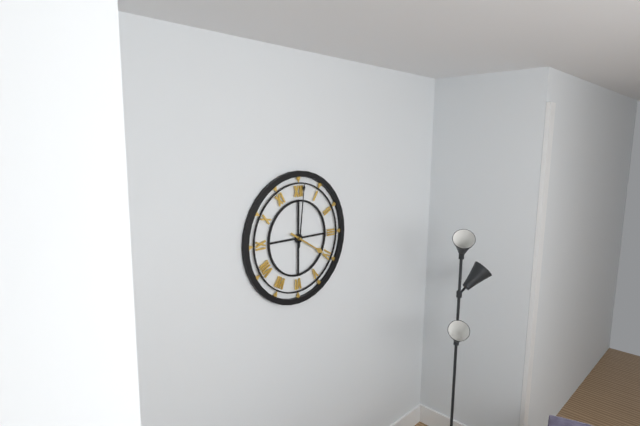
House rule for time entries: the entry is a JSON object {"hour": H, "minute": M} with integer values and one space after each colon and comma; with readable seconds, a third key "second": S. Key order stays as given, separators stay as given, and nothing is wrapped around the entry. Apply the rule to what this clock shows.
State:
{"hour": 4, "minute": 1}
